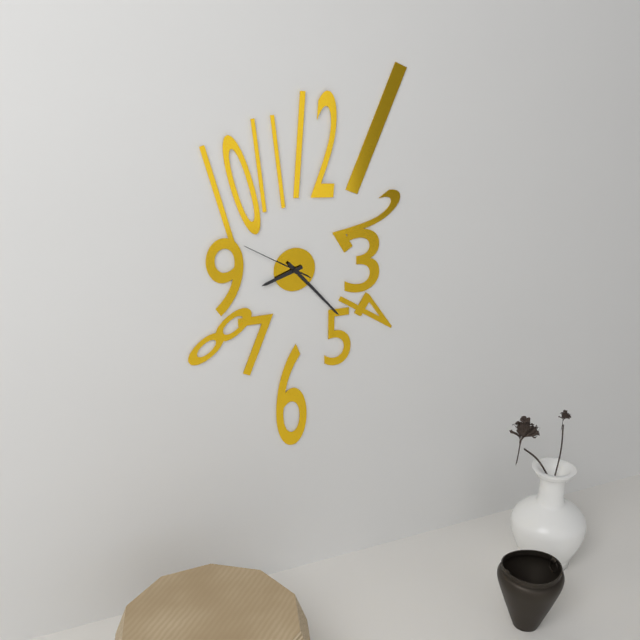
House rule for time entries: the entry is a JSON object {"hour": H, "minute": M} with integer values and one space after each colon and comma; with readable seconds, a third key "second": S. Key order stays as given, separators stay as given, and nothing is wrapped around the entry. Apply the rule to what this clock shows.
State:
{"hour": 8, "minute": 23, "second": 50}
